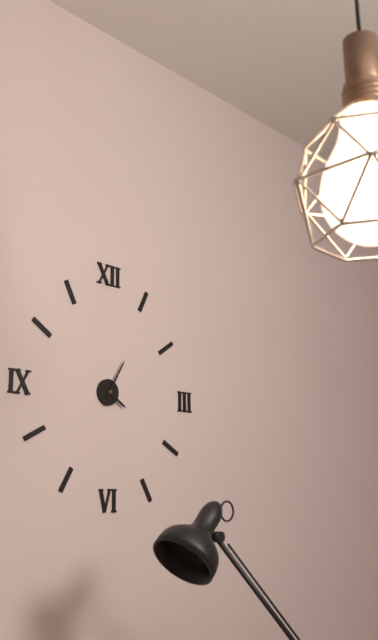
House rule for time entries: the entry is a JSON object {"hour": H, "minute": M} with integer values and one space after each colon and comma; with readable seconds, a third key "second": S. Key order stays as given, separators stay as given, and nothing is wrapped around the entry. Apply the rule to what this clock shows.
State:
{"hour": 4, "minute": 5}
